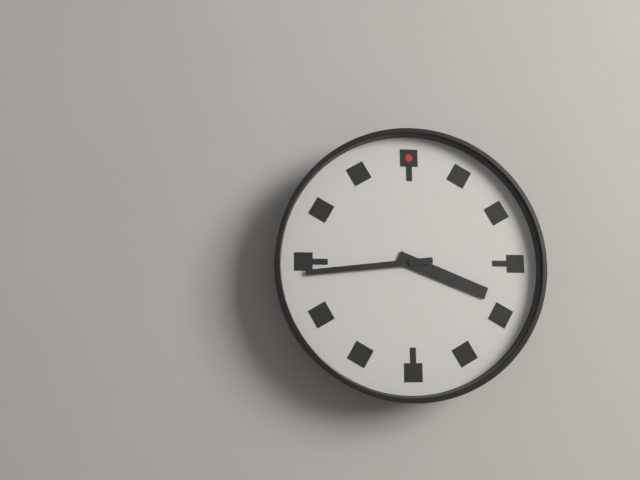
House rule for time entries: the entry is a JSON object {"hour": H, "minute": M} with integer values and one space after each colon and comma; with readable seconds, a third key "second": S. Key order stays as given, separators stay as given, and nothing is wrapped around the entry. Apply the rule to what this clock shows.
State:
{"hour": 3, "minute": 44}
